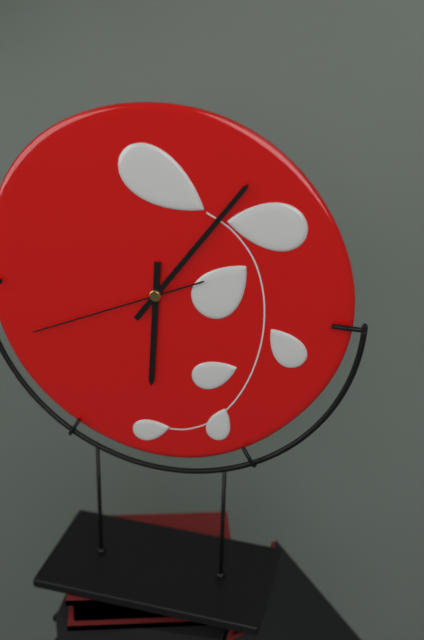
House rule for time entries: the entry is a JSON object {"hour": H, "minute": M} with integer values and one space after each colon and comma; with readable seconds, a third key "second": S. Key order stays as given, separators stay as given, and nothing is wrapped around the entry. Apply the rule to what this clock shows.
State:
{"hour": 6, "minute": 6, "second": 41}
